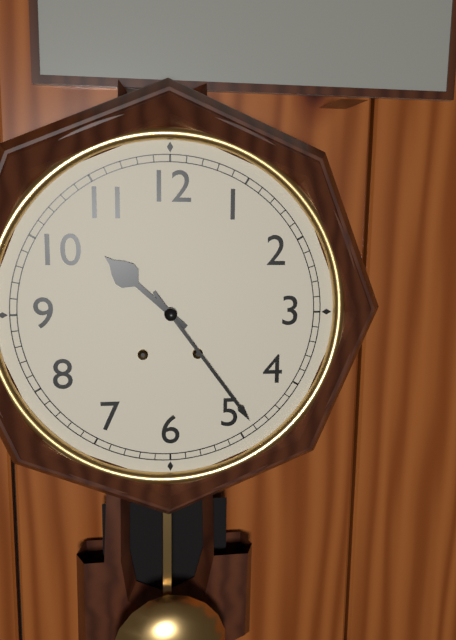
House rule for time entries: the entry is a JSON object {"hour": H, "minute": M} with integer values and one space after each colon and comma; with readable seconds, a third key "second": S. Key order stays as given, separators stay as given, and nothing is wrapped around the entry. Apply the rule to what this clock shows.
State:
{"hour": 10, "minute": 24}
